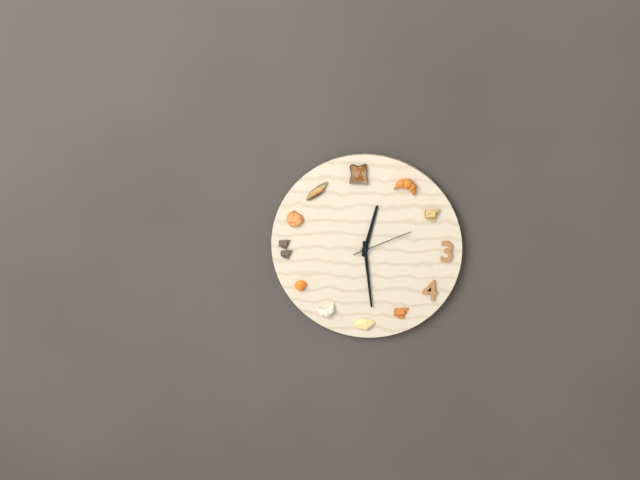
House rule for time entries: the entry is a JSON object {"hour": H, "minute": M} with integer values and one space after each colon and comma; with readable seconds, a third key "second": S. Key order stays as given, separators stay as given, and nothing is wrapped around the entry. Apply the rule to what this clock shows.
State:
{"hour": 12, "minute": 29, "second": 11}
